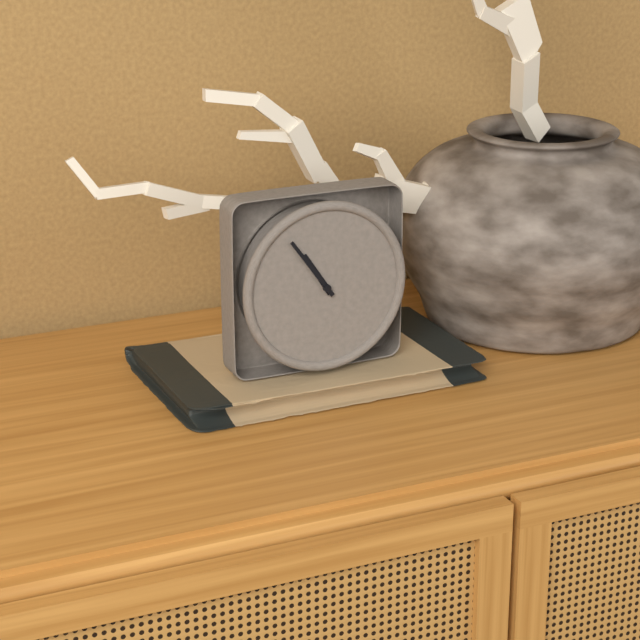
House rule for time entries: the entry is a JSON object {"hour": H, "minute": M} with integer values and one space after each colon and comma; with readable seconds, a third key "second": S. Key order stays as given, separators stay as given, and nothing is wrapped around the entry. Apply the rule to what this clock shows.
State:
{"hour": 10, "minute": 54}
